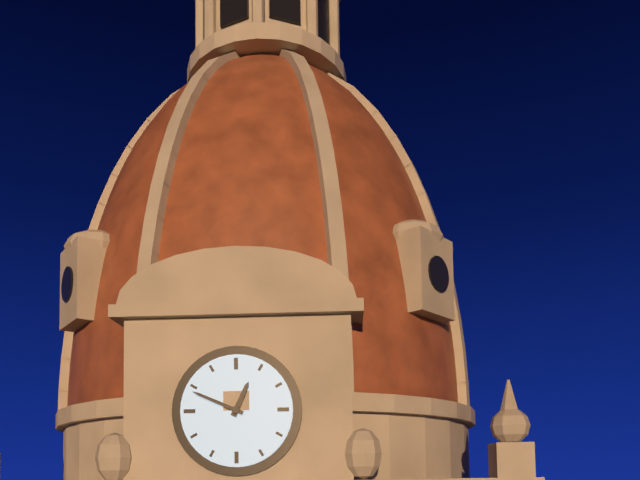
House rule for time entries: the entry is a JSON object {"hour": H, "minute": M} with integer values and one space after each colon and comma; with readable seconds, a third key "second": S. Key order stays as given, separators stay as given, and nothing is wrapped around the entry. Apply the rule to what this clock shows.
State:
{"hour": 12, "minute": 49}
